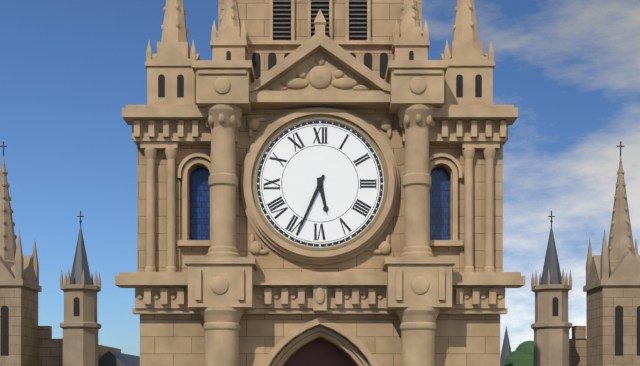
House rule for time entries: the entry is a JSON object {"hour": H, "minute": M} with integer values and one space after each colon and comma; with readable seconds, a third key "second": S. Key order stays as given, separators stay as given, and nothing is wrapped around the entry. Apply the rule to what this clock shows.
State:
{"hour": 5, "minute": 34}
